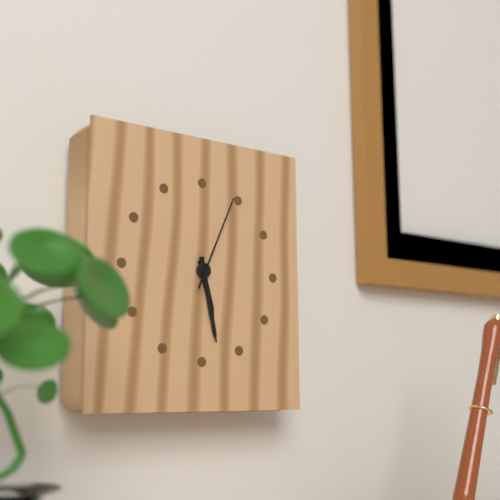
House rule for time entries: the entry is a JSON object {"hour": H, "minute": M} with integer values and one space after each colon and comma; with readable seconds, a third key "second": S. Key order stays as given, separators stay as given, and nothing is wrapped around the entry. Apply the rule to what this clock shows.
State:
{"hour": 5, "minute": 28, "second": 4}
